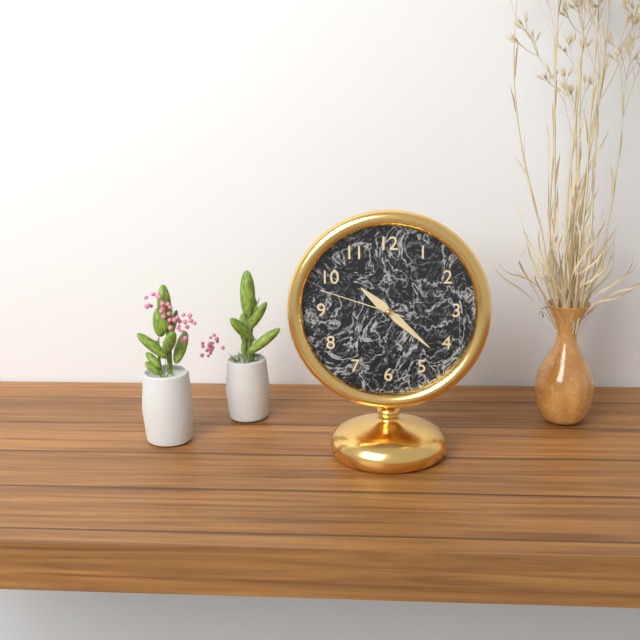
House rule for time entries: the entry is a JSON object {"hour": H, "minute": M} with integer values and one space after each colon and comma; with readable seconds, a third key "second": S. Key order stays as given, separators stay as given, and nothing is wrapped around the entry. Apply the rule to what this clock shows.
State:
{"hour": 10, "minute": 22, "second": 48}
